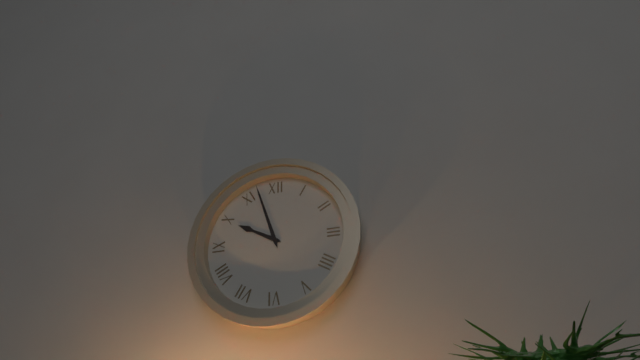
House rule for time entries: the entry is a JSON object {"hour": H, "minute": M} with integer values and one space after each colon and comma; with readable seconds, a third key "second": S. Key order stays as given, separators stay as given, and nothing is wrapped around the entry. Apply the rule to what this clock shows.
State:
{"hour": 9, "minute": 57}
